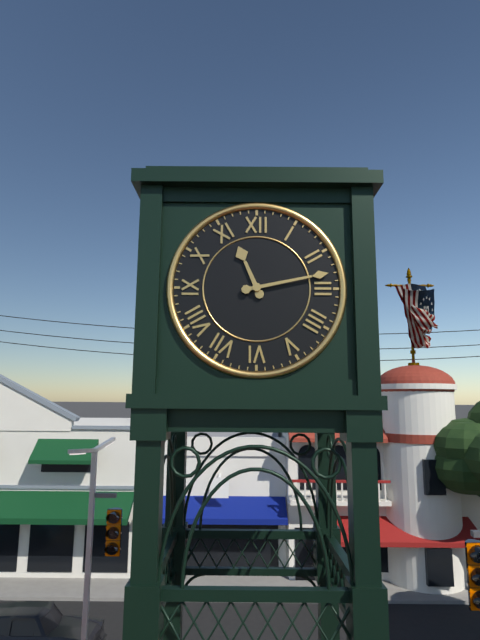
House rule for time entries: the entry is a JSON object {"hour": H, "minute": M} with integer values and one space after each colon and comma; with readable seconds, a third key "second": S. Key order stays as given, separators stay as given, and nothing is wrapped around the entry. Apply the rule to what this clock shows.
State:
{"hour": 11, "minute": 13}
